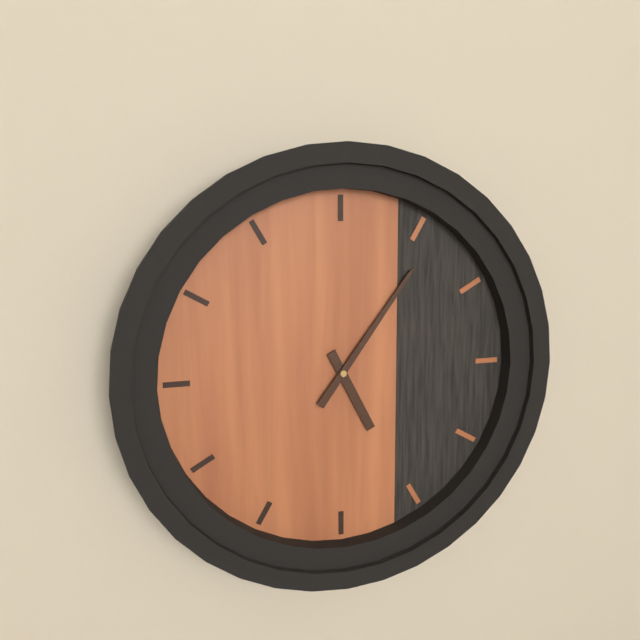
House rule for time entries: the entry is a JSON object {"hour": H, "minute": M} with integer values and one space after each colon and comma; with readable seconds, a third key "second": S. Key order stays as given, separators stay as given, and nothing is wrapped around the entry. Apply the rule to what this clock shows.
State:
{"hour": 5, "minute": 6}
